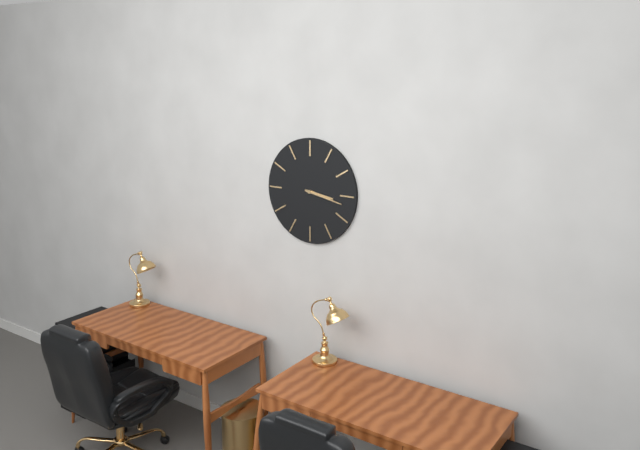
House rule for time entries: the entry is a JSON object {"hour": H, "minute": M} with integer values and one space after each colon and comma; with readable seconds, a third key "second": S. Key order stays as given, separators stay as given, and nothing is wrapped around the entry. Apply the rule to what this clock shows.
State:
{"hour": 3, "minute": 17}
